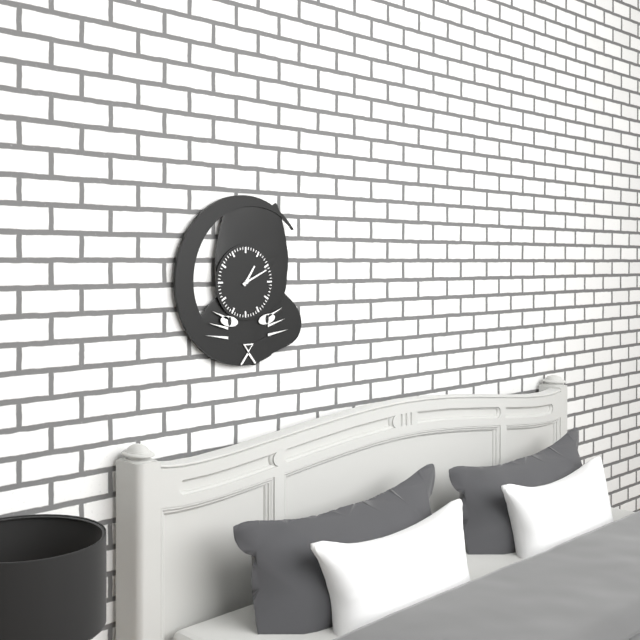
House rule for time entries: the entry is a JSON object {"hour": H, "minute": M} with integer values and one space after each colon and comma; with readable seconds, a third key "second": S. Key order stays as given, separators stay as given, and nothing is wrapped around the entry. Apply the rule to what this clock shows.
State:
{"hour": 1, "minute": 11}
